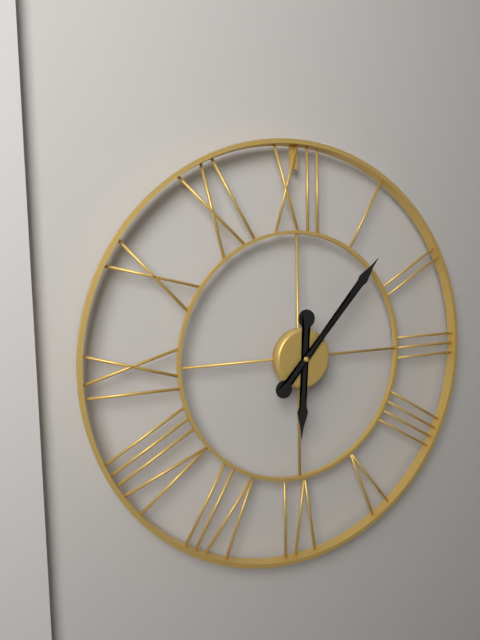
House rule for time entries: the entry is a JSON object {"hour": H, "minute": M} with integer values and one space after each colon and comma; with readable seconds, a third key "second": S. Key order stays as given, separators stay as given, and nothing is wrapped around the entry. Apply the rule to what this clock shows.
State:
{"hour": 6, "minute": 7}
